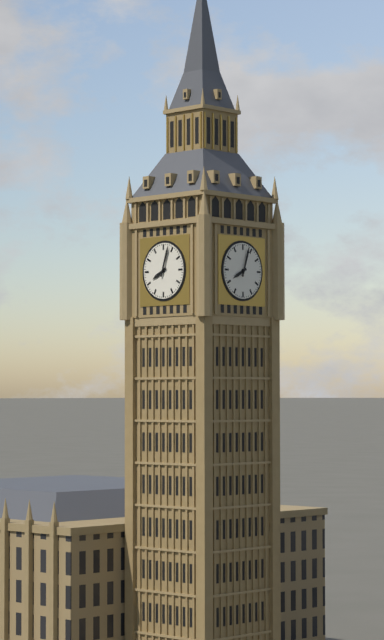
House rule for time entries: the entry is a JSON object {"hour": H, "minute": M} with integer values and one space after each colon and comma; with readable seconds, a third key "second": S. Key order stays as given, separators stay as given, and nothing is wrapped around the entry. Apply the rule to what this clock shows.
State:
{"hour": 8, "minute": 3}
